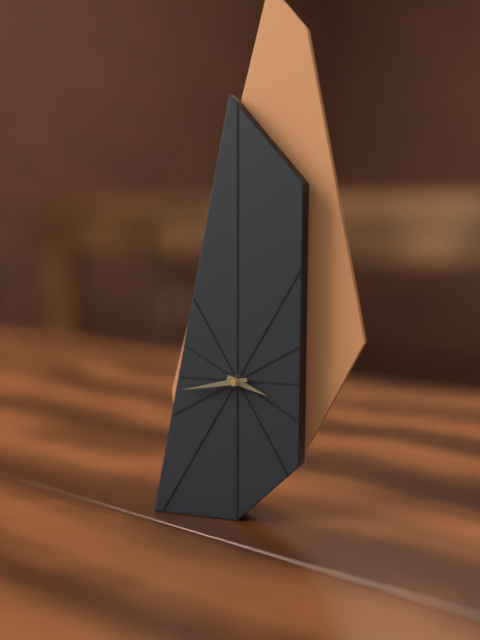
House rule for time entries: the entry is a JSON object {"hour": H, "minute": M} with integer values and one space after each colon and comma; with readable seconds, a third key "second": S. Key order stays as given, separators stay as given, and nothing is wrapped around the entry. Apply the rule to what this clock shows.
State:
{"hour": 3, "minute": 43}
